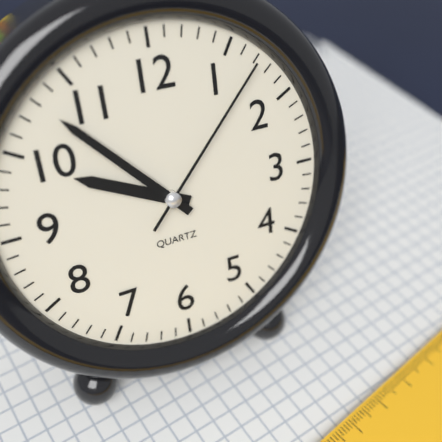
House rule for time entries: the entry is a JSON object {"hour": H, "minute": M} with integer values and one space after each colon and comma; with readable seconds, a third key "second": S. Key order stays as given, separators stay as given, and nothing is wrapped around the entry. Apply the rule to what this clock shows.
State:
{"hour": 9, "minute": 53, "second": 7}
